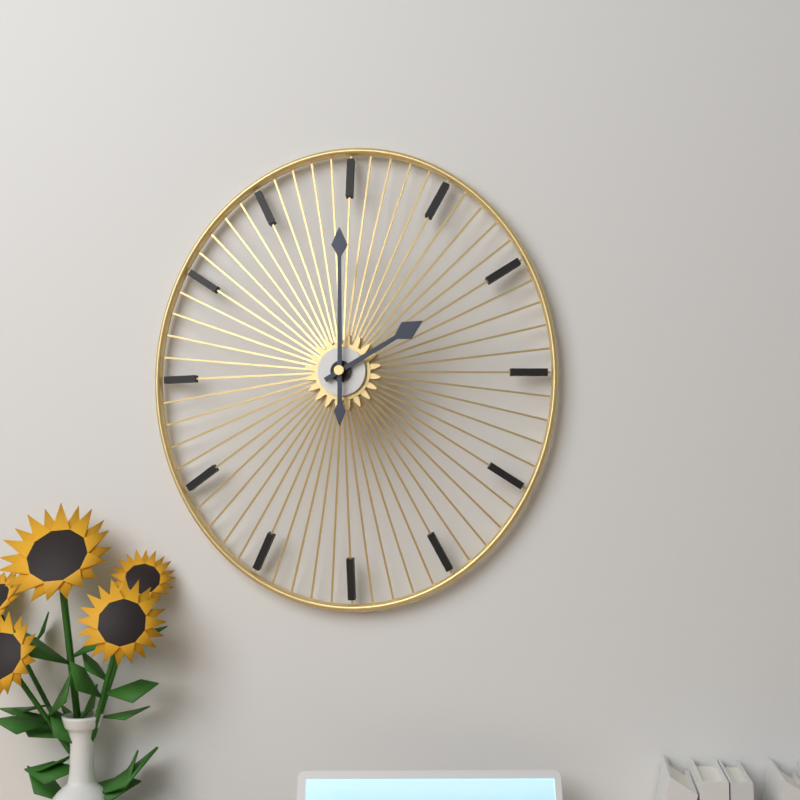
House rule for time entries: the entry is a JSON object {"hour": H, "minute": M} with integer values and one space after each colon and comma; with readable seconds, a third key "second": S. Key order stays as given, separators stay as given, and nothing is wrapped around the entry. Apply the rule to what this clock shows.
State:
{"hour": 2, "minute": 0}
